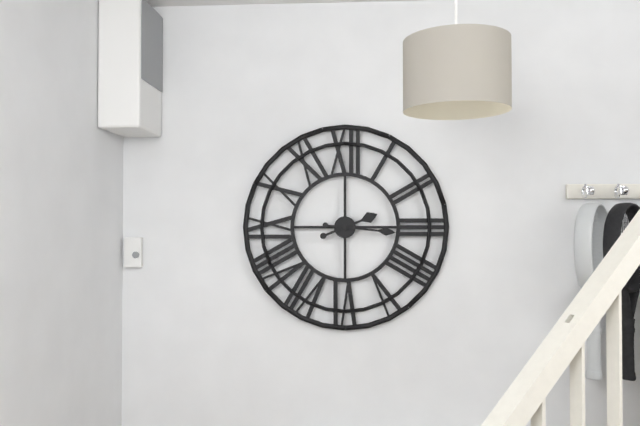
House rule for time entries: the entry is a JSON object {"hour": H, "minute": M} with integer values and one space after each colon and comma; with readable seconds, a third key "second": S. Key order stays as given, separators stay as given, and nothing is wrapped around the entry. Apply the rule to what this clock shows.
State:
{"hour": 2, "minute": 16}
